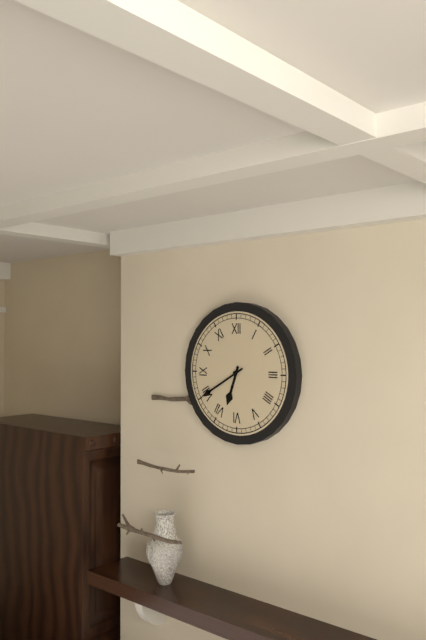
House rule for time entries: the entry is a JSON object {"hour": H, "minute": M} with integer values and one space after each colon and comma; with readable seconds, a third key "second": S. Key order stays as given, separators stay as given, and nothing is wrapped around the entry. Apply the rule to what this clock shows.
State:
{"hour": 6, "minute": 40}
